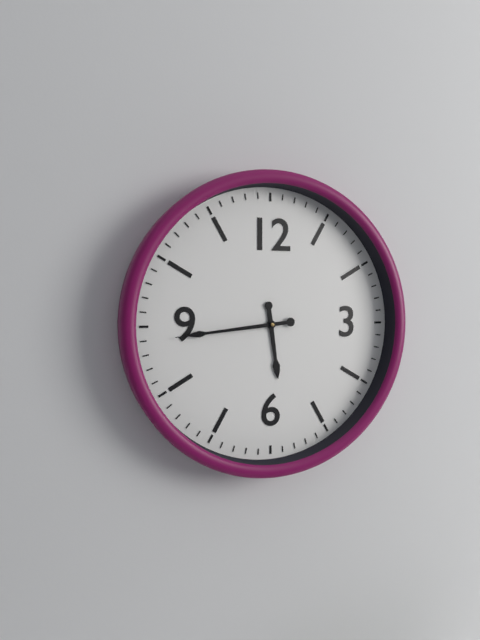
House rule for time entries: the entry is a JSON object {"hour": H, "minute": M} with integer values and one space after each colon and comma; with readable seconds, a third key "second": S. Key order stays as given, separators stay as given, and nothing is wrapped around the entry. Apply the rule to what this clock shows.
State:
{"hour": 5, "minute": 44, "second": 44}
